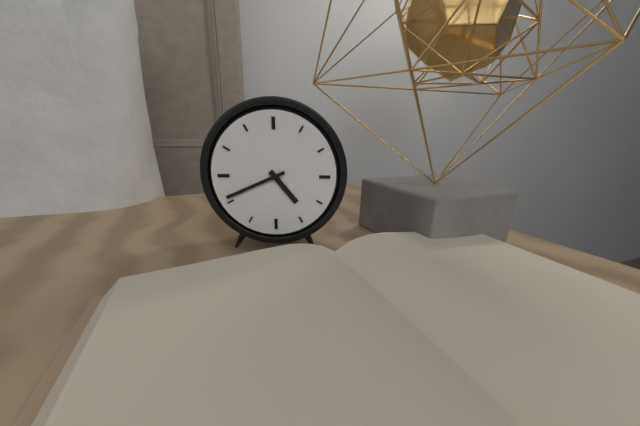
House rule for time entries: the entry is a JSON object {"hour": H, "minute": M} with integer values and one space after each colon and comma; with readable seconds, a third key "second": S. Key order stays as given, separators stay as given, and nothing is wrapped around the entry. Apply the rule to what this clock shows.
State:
{"hour": 4, "minute": 41}
